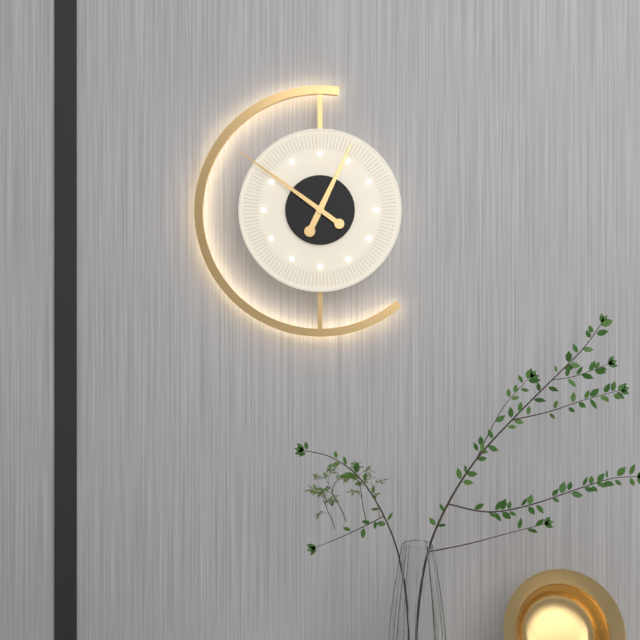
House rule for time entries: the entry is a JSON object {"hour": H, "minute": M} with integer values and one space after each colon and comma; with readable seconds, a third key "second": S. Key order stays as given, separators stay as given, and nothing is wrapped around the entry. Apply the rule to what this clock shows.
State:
{"hour": 12, "minute": 51}
